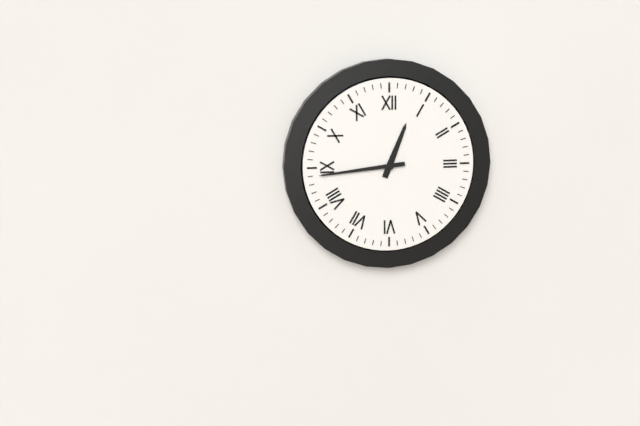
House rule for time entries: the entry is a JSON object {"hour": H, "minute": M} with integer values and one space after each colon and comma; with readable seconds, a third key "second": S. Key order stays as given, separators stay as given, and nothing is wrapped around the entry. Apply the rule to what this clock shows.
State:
{"hour": 12, "minute": 44}
